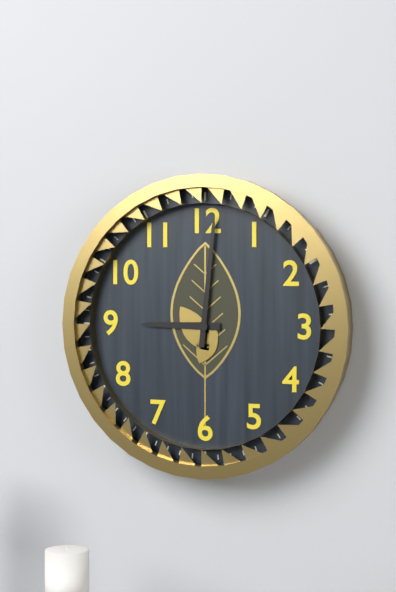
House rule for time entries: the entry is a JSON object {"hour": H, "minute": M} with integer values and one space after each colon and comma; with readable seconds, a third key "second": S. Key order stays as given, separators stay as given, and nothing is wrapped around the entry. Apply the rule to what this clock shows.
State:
{"hour": 9, "minute": 1}
